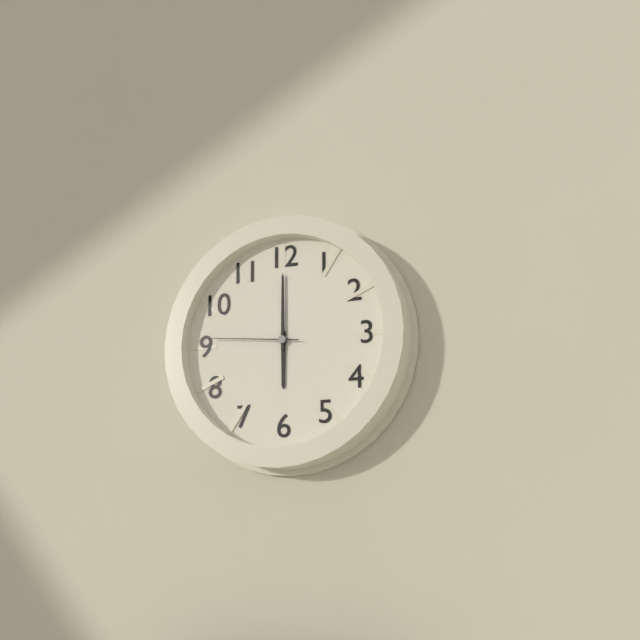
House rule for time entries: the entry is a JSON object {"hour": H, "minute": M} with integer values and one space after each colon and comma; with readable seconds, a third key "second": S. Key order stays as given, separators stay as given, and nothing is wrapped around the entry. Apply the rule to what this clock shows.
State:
{"hour": 6, "minute": 0, "second": 46}
